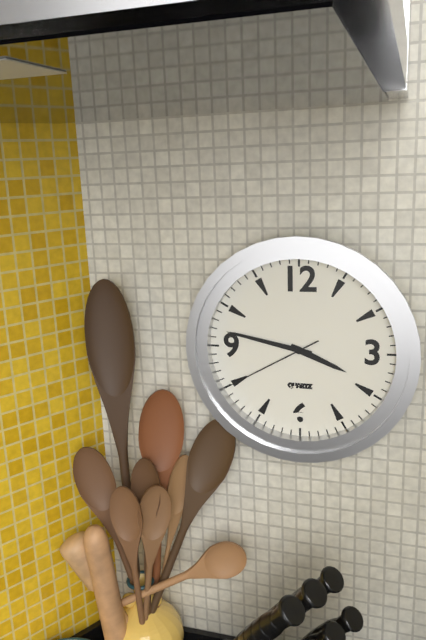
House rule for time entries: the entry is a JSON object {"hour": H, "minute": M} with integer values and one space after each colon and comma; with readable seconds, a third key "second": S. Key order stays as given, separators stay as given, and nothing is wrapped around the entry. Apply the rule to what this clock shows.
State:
{"hour": 3, "minute": 47, "second": 40}
